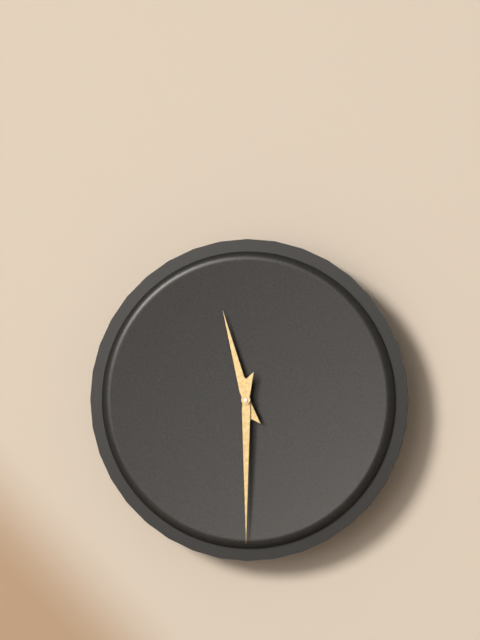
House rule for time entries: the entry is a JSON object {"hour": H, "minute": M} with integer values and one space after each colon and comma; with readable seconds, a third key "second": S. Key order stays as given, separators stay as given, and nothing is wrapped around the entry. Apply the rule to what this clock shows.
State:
{"hour": 11, "minute": 30}
